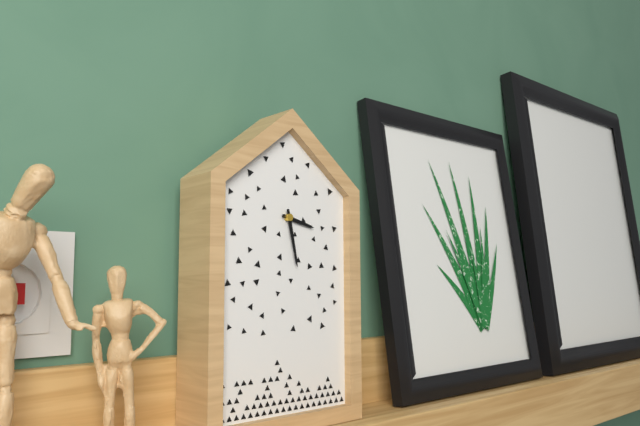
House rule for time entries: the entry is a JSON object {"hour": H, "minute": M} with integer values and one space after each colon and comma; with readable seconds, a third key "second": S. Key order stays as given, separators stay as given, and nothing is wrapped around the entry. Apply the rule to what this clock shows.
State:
{"hour": 3, "minute": 28}
